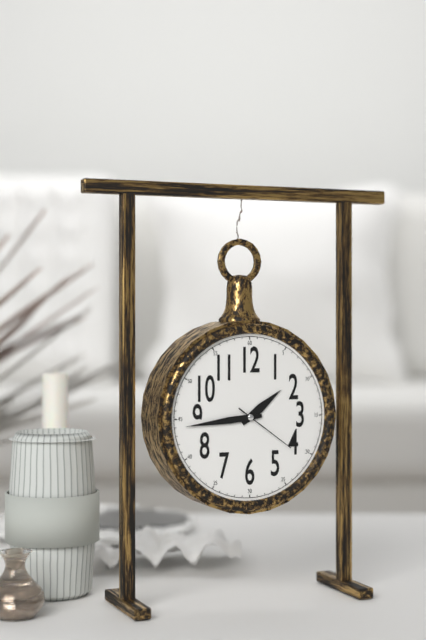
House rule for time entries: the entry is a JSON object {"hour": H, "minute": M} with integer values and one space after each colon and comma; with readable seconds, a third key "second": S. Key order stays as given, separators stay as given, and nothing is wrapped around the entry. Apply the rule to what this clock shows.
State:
{"hour": 1, "minute": 44, "second": 21}
